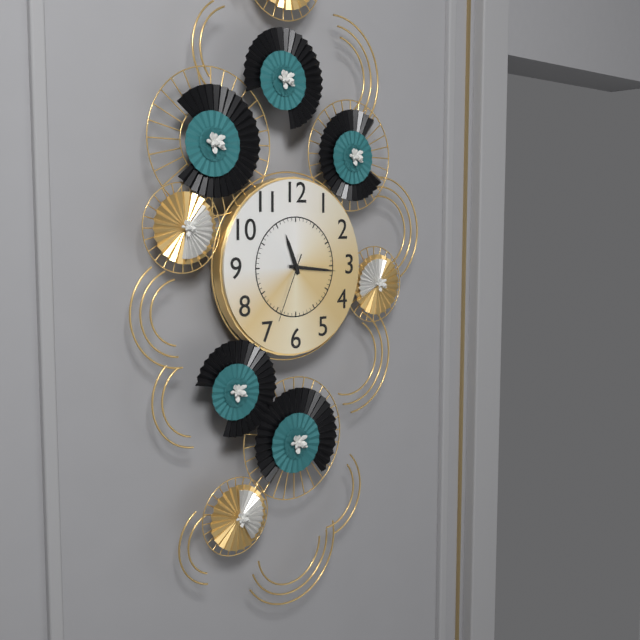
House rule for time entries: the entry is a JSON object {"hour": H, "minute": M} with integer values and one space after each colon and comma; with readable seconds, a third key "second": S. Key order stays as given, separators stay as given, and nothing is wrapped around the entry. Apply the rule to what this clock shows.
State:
{"hour": 11, "minute": 16, "second": 34}
